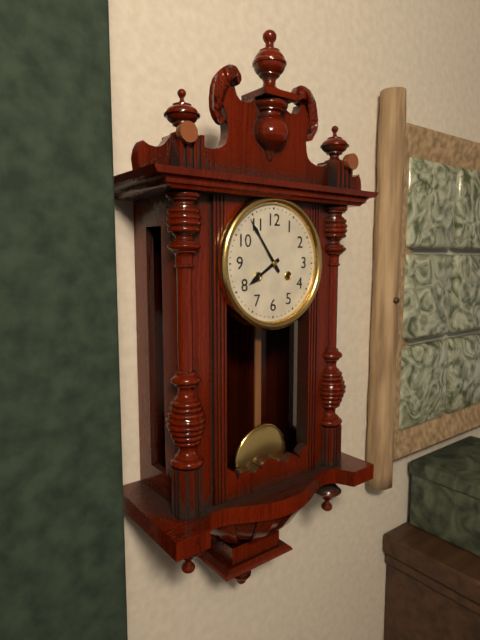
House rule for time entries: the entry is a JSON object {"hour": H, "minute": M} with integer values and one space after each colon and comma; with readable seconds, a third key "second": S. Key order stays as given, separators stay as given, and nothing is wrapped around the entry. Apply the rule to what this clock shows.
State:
{"hour": 7, "minute": 54}
